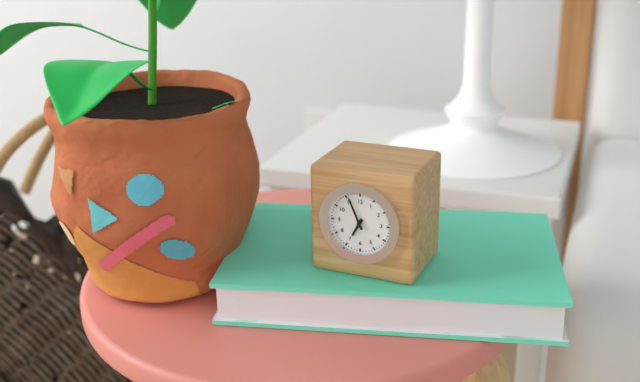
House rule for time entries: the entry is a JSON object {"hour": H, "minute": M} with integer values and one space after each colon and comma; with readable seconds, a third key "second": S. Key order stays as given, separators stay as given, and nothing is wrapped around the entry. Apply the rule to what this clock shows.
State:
{"hour": 6, "minute": 56}
